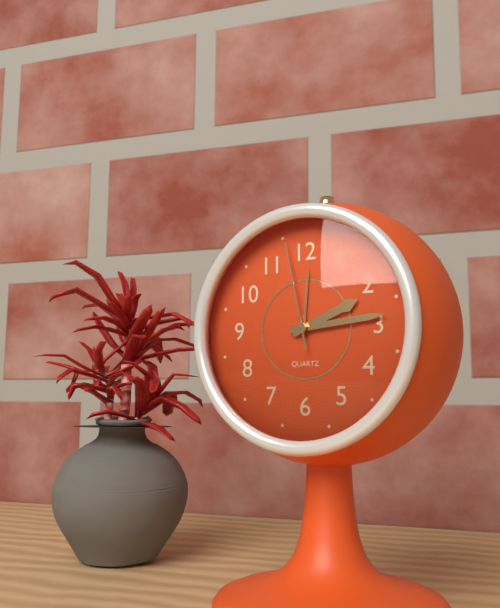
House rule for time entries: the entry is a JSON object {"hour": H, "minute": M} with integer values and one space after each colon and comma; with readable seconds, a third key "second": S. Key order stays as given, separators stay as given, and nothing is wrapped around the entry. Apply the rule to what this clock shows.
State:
{"hour": 2, "minute": 14, "second": 58}
